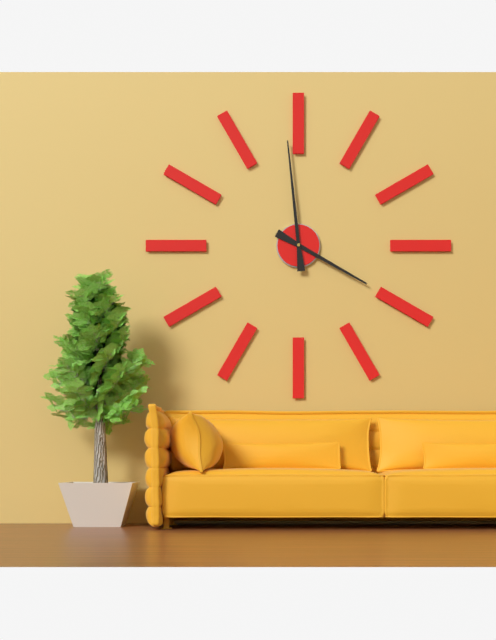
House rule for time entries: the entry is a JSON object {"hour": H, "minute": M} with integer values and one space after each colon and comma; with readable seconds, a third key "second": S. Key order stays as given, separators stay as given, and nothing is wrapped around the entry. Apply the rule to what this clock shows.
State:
{"hour": 3, "minute": 59}
